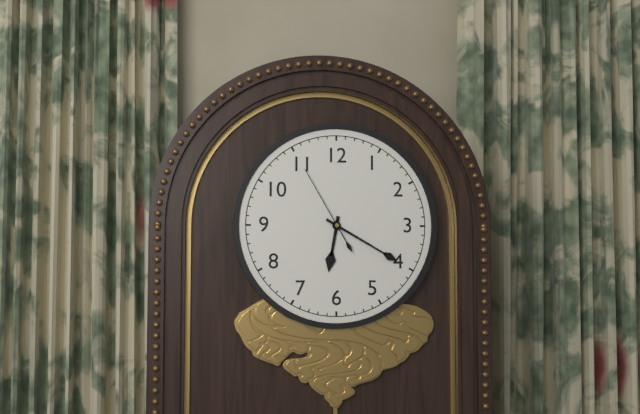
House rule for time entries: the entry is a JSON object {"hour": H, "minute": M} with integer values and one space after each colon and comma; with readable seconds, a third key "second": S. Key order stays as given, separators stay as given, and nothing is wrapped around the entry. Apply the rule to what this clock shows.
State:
{"hour": 6, "minute": 20, "second": 55}
